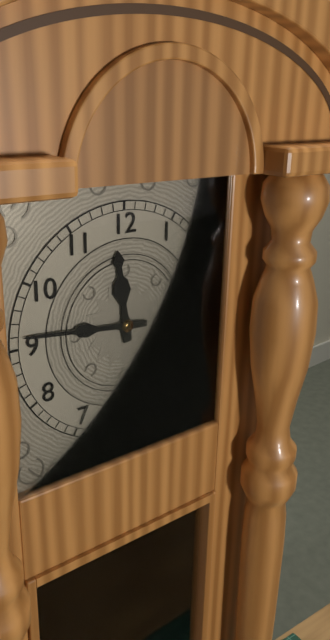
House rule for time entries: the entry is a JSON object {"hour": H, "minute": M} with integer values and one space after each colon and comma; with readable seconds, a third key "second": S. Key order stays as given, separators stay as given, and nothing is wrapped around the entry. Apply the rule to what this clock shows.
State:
{"hour": 11, "minute": 46}
